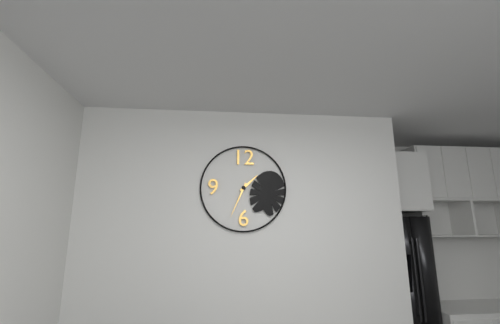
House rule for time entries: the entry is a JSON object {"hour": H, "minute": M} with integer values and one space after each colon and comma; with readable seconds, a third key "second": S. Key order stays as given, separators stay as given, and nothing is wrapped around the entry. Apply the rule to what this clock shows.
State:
{"hour": 1, "minute": 34}
